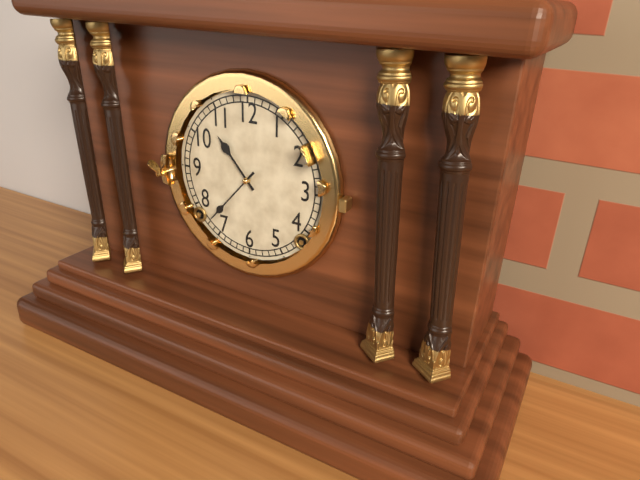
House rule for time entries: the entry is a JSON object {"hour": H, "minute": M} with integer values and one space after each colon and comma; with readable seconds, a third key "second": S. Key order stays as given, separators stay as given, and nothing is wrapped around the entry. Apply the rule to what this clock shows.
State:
{"hour": 10, "minute": 37}
